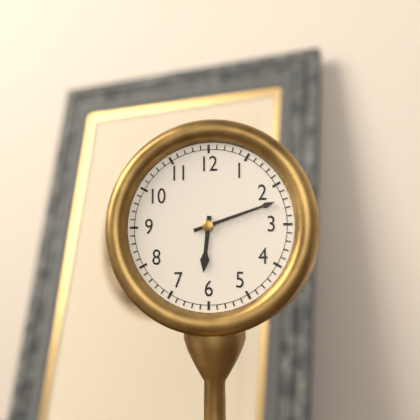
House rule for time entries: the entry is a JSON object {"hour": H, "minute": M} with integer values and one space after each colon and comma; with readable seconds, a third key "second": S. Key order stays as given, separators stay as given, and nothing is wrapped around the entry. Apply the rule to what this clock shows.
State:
{"hour": 6, "minute": 12}
